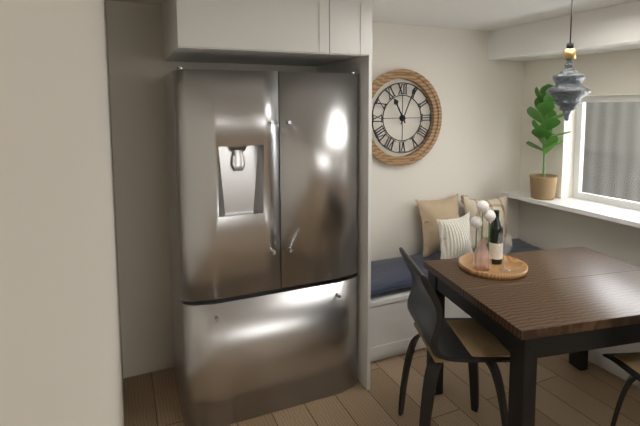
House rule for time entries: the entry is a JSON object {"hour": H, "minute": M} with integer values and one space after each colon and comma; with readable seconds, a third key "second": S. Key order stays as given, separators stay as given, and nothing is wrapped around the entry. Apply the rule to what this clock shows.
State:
{"hour": 11, "minute": 4}
